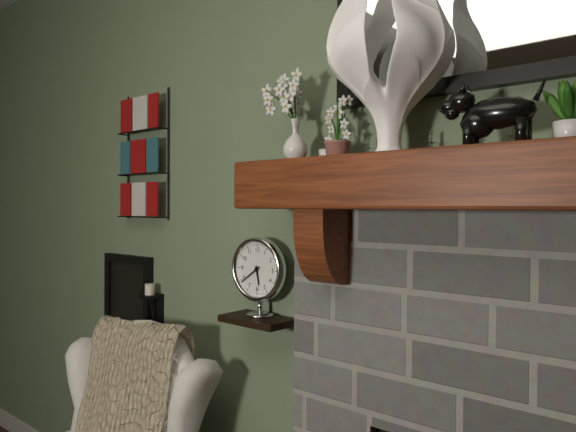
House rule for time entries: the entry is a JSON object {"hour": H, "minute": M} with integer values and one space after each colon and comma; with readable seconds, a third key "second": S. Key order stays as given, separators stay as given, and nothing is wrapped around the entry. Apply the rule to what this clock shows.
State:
{"hour": 5, "minute": 39}
